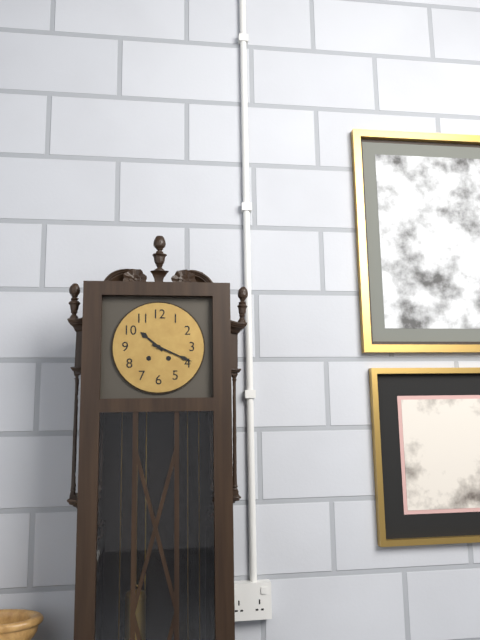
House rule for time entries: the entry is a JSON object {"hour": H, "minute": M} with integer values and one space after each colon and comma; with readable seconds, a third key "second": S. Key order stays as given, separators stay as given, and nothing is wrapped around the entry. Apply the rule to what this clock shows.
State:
{"hour": 10, "minute": 19}
